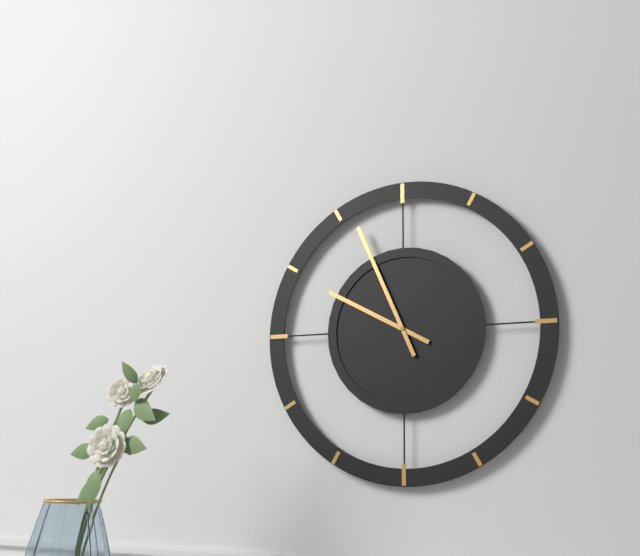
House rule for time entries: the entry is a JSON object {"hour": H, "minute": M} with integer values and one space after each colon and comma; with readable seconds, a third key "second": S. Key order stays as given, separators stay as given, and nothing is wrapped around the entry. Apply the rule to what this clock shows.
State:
{"hour": 9, "minute": 56}
